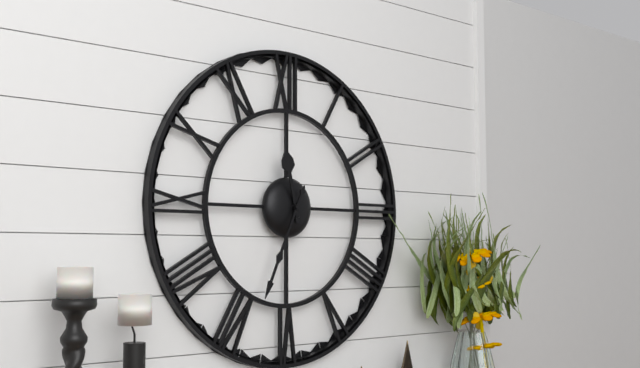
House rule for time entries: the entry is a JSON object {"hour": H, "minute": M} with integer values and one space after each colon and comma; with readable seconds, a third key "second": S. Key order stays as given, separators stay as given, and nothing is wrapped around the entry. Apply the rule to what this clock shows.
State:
{"hour": 11, "minute": 34}
